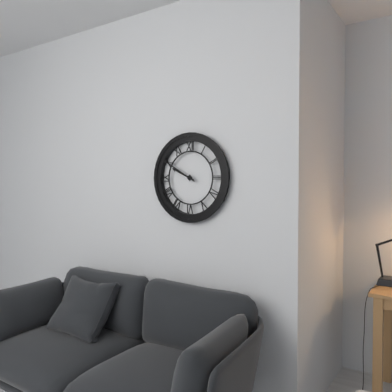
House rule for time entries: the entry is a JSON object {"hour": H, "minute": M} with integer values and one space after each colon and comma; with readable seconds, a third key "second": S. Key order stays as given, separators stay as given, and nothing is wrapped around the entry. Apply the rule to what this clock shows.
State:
{"hour": 9, "minute": 50}
